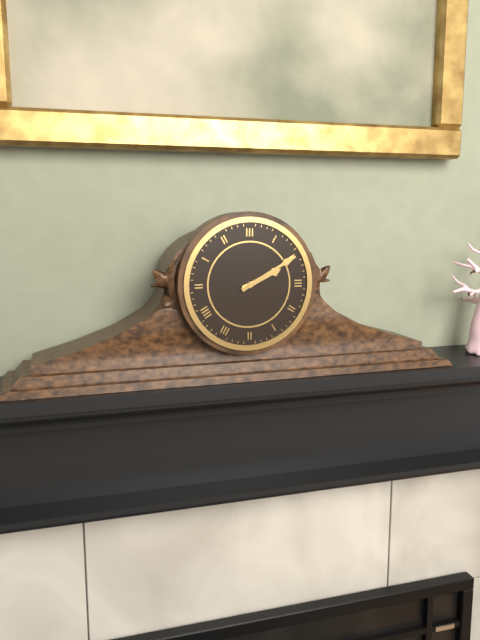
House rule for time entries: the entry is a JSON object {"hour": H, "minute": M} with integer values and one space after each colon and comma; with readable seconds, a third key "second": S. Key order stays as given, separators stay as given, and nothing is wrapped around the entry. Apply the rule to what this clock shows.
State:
{"hour": 2, "minute": 10}
